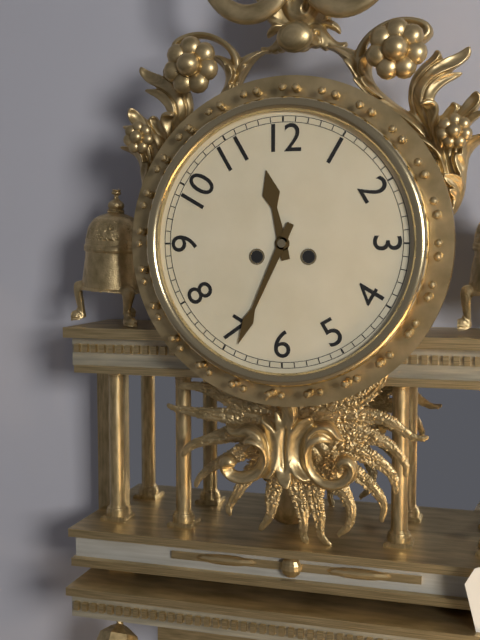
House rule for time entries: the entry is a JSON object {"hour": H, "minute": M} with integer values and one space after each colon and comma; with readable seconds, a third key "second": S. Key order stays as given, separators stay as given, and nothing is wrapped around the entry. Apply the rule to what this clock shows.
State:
{"hour": 11, "minute": 34}
